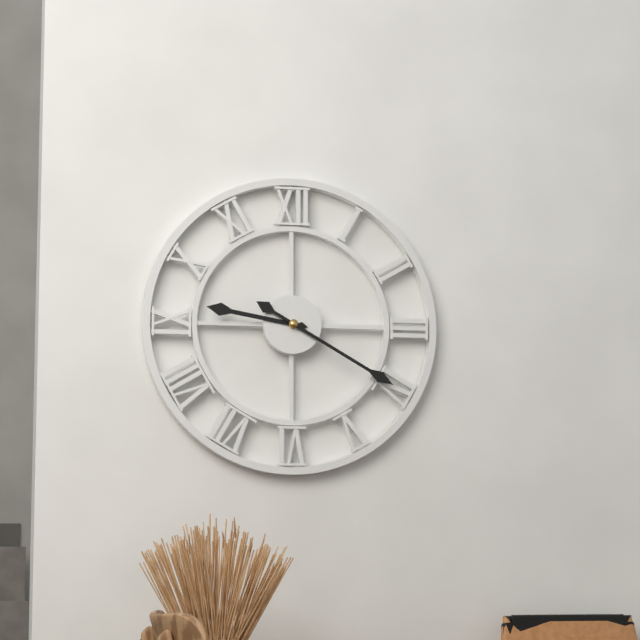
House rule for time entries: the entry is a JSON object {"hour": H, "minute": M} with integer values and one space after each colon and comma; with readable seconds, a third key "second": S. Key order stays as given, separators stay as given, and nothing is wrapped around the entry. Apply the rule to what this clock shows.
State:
{"hour": 9, "minute": 20}
